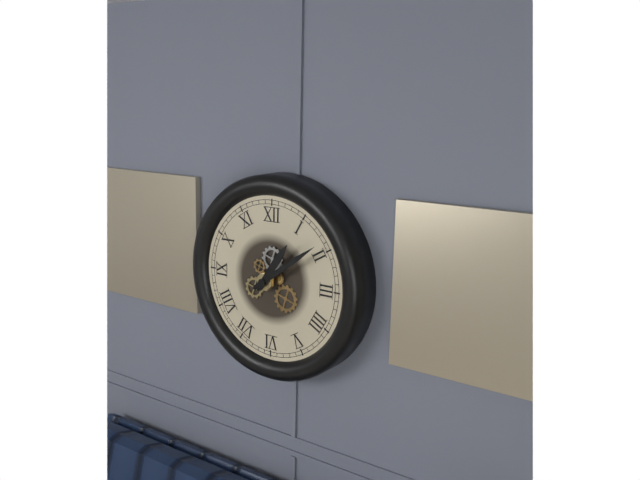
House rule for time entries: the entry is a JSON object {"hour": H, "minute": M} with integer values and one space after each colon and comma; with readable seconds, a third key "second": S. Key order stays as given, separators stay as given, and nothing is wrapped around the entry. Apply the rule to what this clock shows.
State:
{"hour": 1, "minute": 9}
